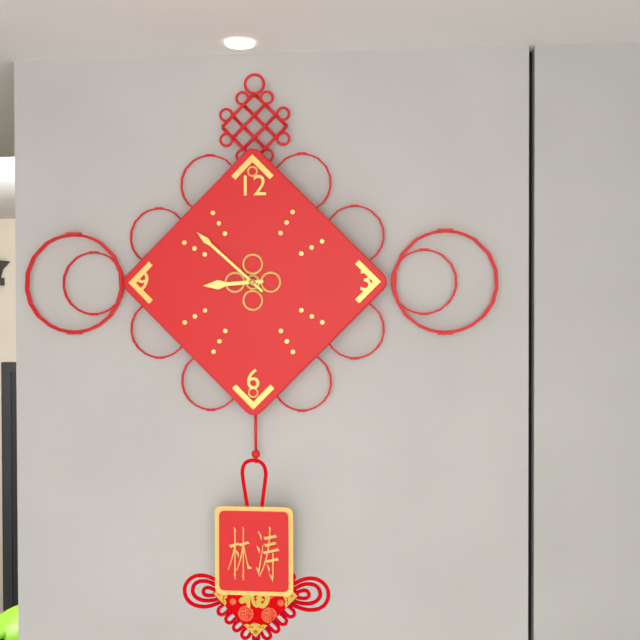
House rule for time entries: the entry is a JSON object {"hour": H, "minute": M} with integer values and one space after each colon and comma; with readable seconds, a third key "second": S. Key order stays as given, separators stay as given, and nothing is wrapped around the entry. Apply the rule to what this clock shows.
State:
{"hour": 8, "minute": 52}
